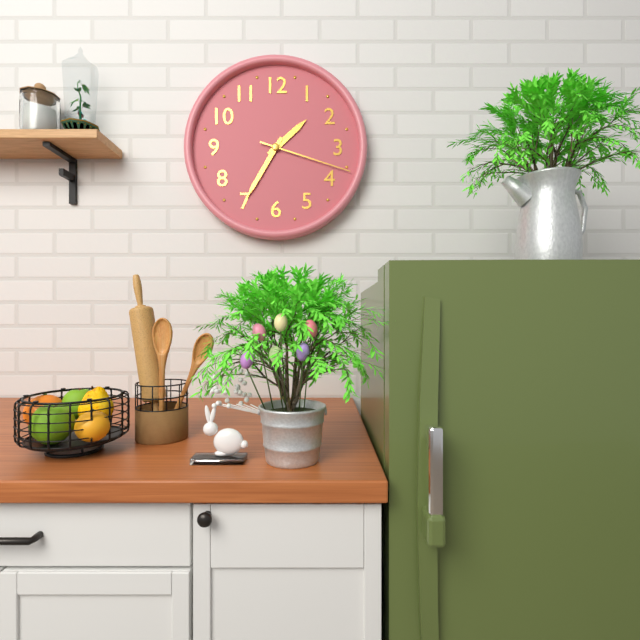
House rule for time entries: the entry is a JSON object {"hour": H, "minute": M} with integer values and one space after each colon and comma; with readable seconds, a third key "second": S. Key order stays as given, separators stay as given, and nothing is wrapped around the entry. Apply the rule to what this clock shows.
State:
{"hour": 1, "minute": 35, "second": 18}
